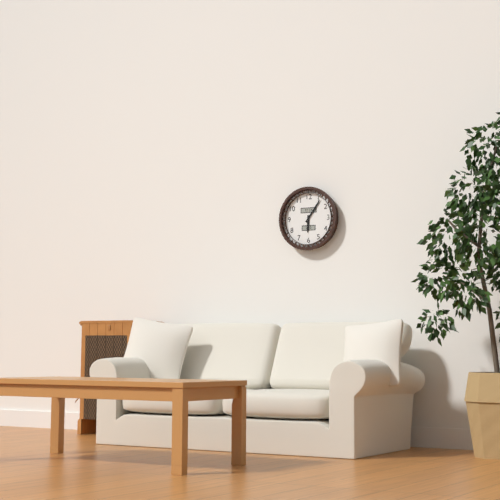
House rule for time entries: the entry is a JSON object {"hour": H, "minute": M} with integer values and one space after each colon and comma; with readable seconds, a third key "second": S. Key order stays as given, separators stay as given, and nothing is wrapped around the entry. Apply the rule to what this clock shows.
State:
{"hour": 6, "minute": 6}
